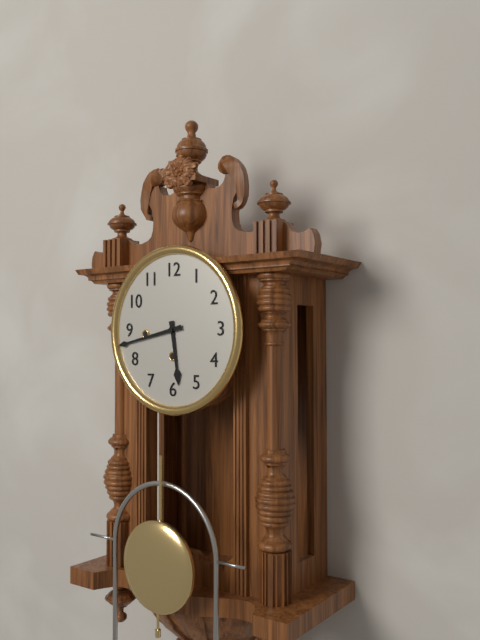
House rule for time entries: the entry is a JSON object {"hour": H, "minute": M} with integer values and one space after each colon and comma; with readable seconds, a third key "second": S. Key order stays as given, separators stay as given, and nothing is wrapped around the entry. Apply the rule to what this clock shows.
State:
{"hour": 5, "minute": 43}
